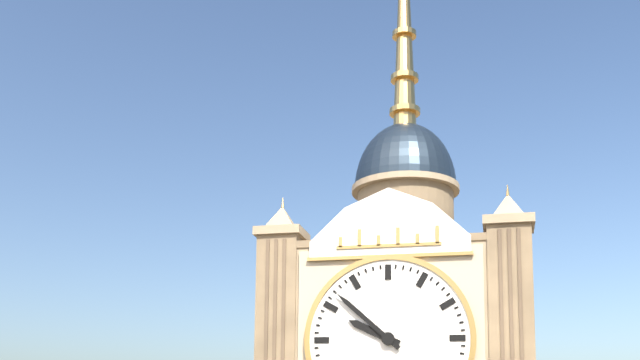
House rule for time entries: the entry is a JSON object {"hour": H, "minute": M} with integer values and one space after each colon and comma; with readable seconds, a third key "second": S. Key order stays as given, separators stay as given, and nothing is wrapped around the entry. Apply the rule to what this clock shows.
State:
{"hour": 9, "minute": 52}
